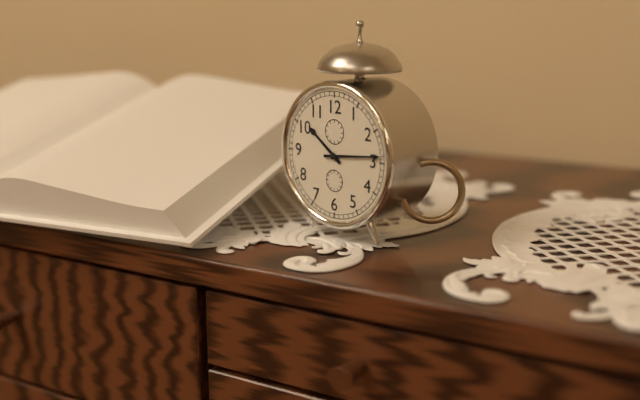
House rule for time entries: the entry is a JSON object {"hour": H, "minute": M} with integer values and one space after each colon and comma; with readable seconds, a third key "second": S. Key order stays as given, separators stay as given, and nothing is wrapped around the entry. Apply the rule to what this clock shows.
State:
{"hour": 10, "minute": 14}
